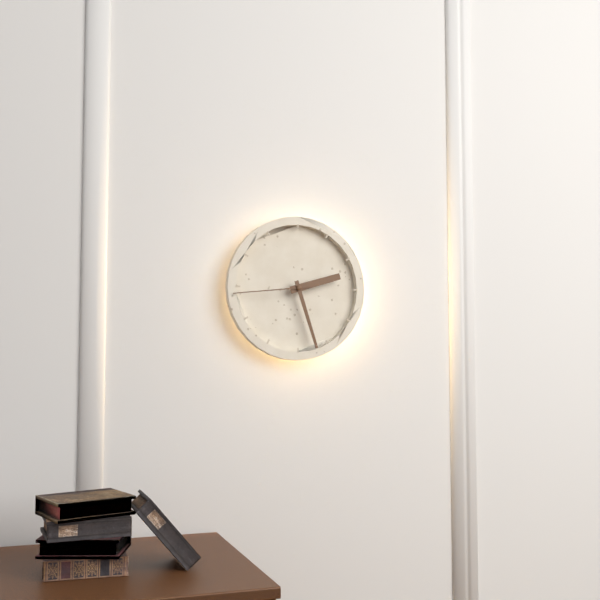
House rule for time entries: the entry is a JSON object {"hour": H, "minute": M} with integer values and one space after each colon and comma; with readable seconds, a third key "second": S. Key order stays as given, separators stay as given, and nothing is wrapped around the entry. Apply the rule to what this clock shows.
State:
{"hour": 2, "minute": 27, "second": 44}
